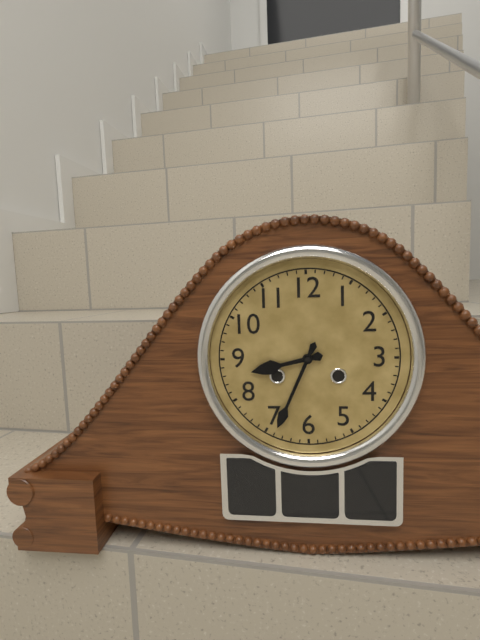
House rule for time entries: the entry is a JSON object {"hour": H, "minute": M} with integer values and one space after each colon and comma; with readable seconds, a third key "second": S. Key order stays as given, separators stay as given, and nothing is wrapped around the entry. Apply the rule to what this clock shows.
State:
{"hour": 8, "minute": 34}
